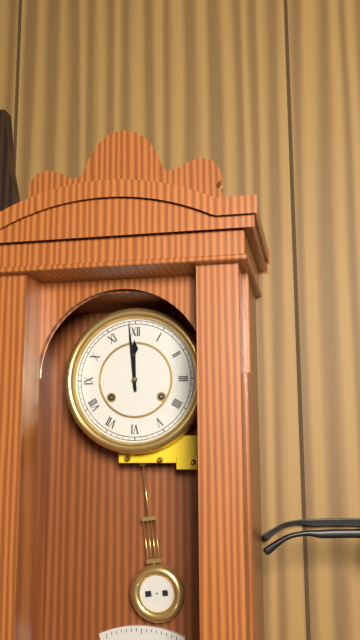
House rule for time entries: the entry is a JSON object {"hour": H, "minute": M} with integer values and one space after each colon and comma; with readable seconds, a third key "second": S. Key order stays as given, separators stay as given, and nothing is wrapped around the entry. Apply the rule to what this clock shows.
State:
{"hour": 11, "minute": 59}
